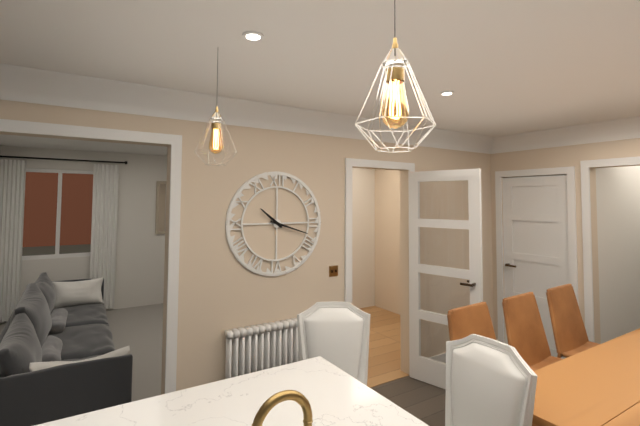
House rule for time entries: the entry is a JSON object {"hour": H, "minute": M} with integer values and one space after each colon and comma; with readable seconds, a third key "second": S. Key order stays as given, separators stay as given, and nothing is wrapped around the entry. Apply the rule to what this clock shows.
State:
{"hour": 10, "minute": 18}
